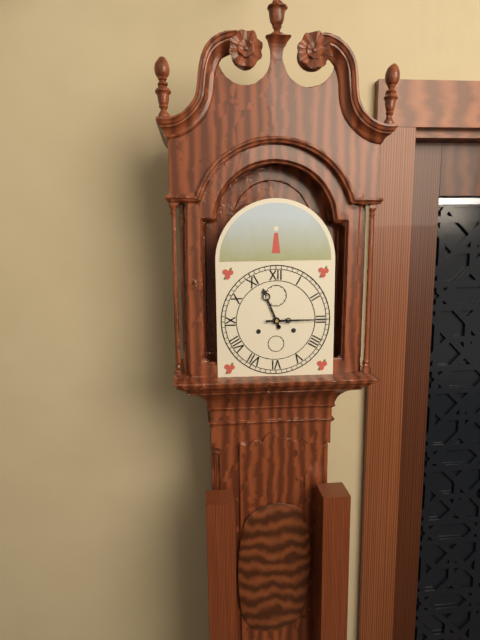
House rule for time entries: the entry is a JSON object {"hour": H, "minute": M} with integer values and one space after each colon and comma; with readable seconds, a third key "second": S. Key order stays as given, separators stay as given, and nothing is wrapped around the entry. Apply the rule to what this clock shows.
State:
{"hour": 11, "minute": 15}
